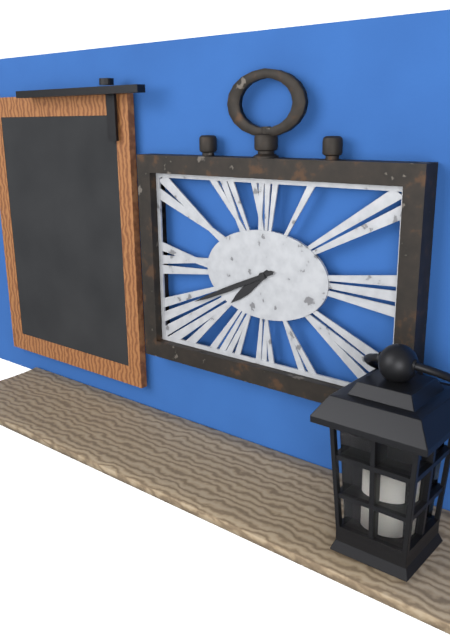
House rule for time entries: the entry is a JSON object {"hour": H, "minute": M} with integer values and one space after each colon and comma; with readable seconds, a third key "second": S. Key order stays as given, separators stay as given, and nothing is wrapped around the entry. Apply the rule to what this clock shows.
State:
{"hour": 7, "minute": 41}
